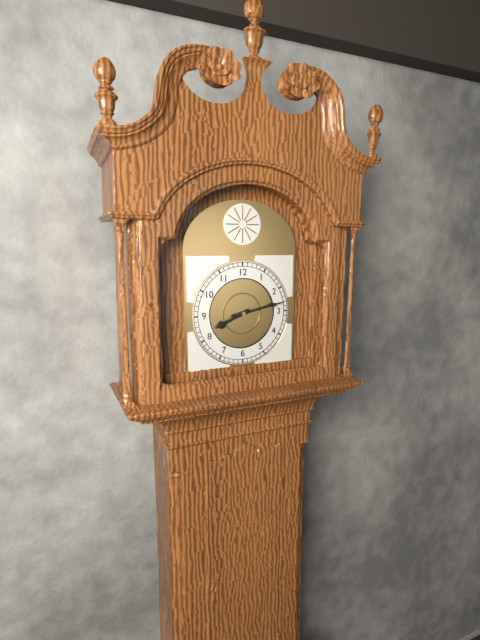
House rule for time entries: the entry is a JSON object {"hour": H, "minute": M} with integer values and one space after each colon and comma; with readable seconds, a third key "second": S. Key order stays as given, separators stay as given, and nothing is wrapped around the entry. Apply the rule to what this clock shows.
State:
{"hour": 8, "minute": 13}
